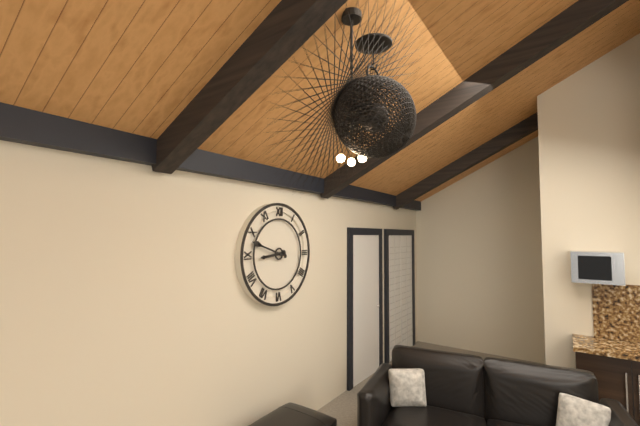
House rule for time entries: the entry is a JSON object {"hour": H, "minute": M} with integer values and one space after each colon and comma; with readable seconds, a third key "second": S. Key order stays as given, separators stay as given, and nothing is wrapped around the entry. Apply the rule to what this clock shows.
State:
{"hour": 8, "minute": 48}
